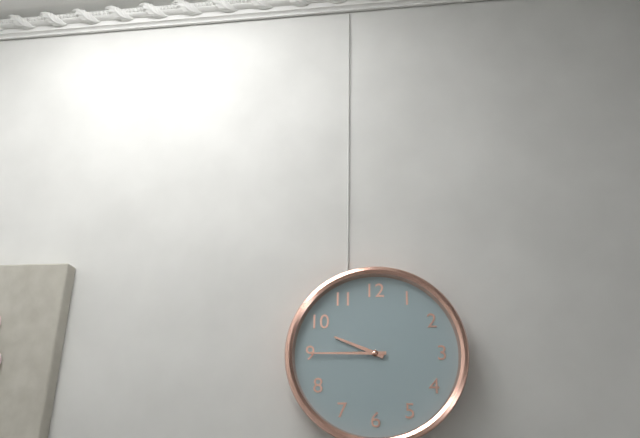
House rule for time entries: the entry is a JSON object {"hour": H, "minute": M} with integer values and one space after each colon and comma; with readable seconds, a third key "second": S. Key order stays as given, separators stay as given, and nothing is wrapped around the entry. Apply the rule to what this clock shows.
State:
{"hour": 9, "minute": 45}
